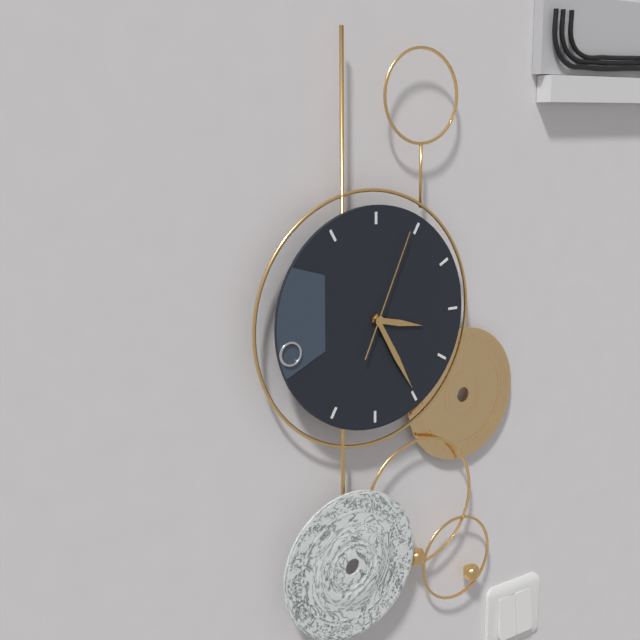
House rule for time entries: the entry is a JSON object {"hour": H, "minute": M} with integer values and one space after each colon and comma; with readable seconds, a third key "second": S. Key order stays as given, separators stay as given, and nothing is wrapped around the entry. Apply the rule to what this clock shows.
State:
{"hour": 3, "minute": 25, "second": 4}
